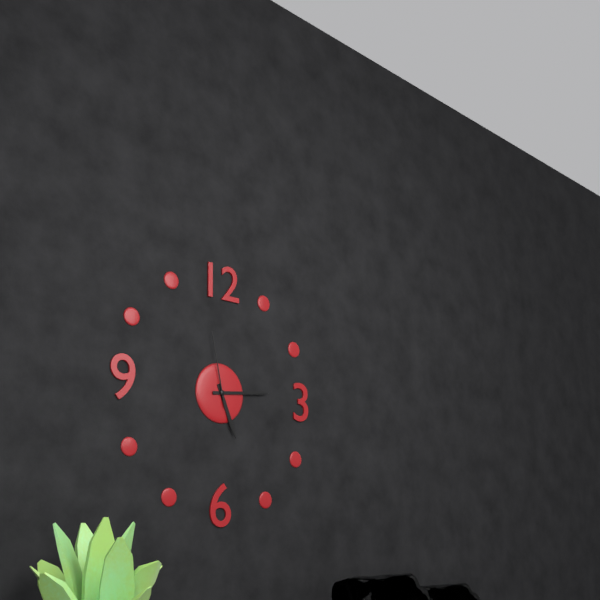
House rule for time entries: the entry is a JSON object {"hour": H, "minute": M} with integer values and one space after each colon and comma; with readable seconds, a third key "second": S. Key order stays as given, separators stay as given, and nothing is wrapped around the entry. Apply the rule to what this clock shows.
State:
{"hour": 5, "minute": 14, "second": 58}
